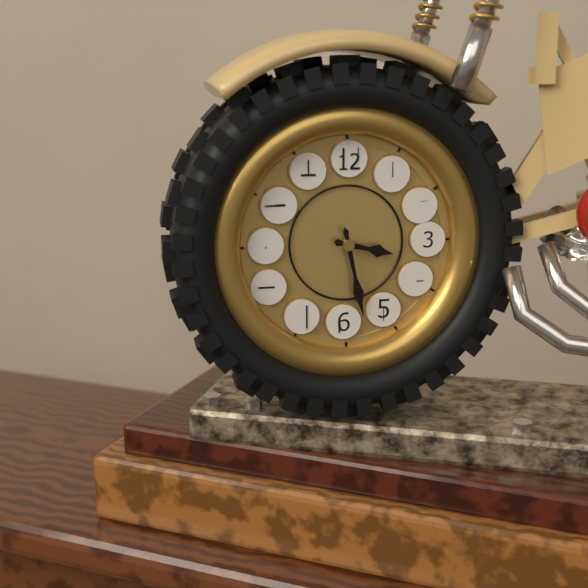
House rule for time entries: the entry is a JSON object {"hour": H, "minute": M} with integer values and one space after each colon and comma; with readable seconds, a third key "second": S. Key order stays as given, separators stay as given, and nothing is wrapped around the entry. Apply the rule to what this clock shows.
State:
{"hour": 3, "minute": 28}
